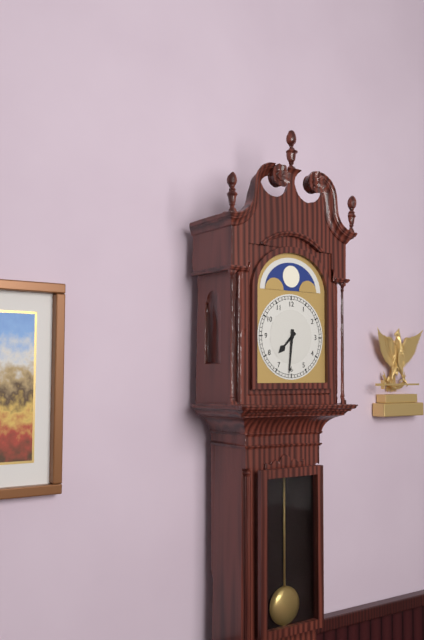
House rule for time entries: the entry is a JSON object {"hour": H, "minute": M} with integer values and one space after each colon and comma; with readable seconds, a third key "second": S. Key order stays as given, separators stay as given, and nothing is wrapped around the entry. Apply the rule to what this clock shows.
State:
{"hour": 7, "minute": 31}
